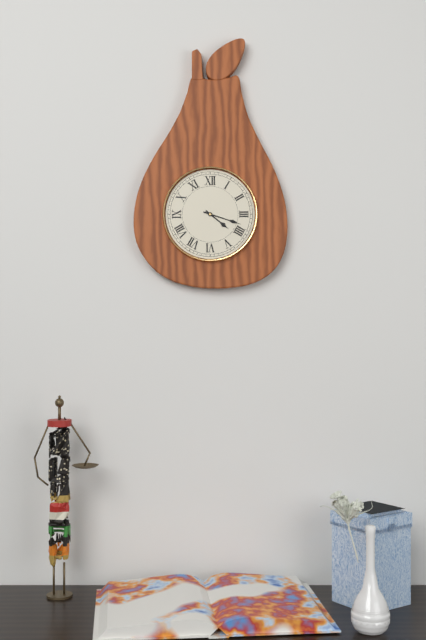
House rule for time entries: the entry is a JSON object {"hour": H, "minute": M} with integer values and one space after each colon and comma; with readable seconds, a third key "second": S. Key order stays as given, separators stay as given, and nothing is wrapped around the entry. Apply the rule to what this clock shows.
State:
{"hour": 4, "minute": 18}
